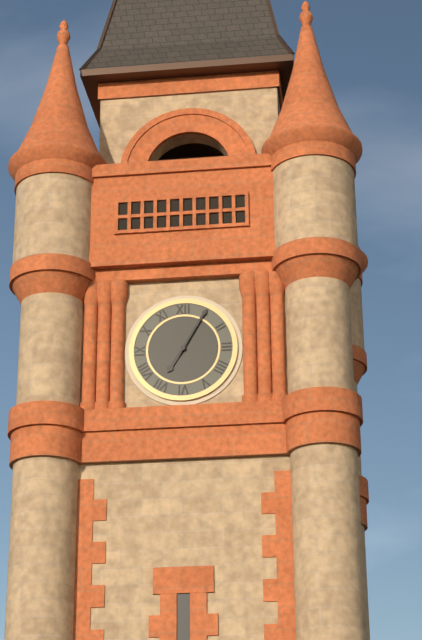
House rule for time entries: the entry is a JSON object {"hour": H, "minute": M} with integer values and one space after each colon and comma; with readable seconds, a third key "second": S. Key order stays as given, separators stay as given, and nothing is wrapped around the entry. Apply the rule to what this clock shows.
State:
{"hour": 7, "minute": 5}
